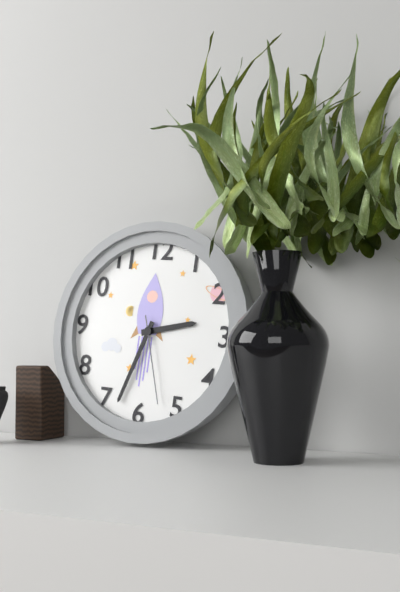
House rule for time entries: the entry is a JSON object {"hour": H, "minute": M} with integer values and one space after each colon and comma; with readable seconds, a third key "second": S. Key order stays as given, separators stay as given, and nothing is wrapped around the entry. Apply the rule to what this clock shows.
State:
{"hour": 2, "minute": 33, "second": 27}
